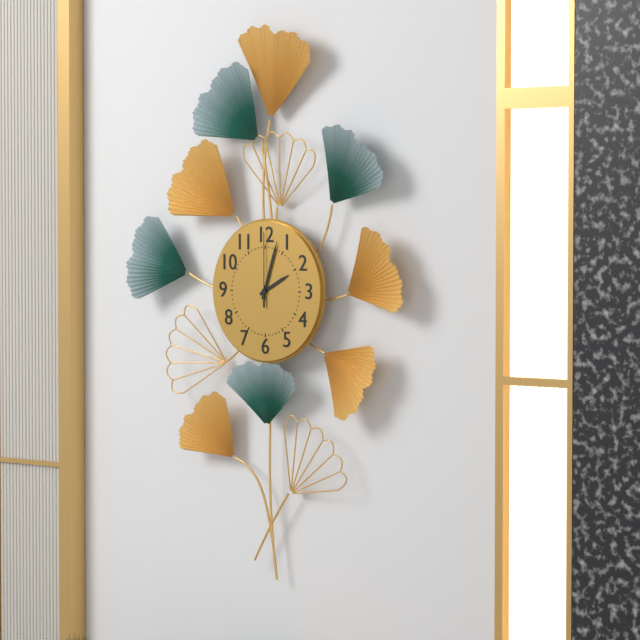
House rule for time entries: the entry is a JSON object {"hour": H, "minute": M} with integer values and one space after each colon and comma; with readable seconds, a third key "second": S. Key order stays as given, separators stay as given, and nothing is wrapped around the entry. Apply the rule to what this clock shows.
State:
{"hour": 2, "minute": 3, "second": 0}
